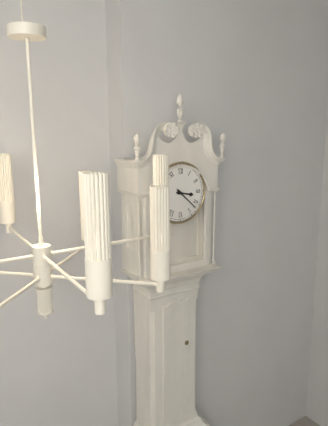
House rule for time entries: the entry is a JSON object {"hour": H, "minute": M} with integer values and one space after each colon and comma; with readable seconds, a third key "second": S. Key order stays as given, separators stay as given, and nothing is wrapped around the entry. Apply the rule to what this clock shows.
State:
{"hour": 3, "minute": 22}
